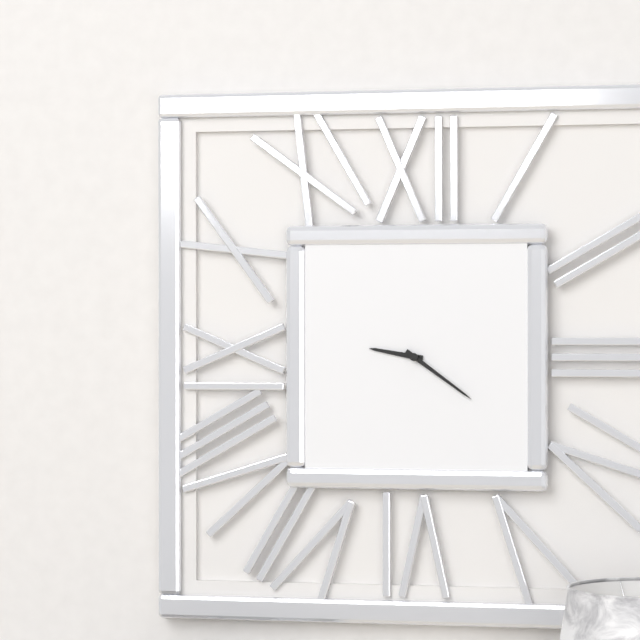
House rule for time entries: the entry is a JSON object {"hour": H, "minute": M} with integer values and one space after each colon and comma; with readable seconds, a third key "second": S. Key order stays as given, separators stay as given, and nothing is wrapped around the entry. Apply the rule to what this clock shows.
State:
{"hour": 9, "minute": 21}
